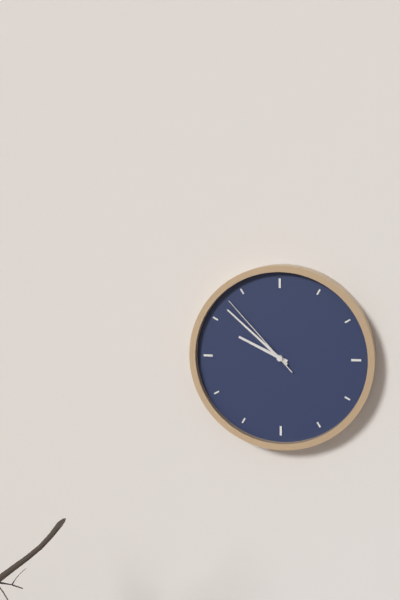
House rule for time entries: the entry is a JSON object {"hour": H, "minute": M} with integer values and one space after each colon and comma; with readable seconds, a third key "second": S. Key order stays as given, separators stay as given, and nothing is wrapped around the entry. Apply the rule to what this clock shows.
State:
{"hour": 9, "minute": 52, "second": 53}
